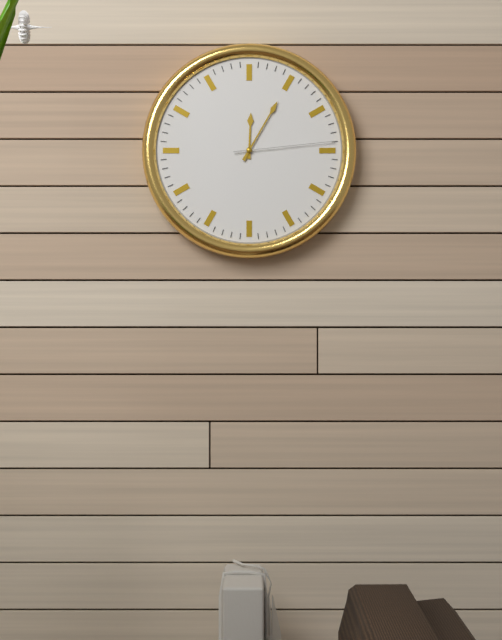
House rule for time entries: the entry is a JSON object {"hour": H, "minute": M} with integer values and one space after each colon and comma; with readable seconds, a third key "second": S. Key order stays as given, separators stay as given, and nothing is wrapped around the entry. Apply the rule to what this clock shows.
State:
{"hour": 12, "minute": 5, "second": 14}
